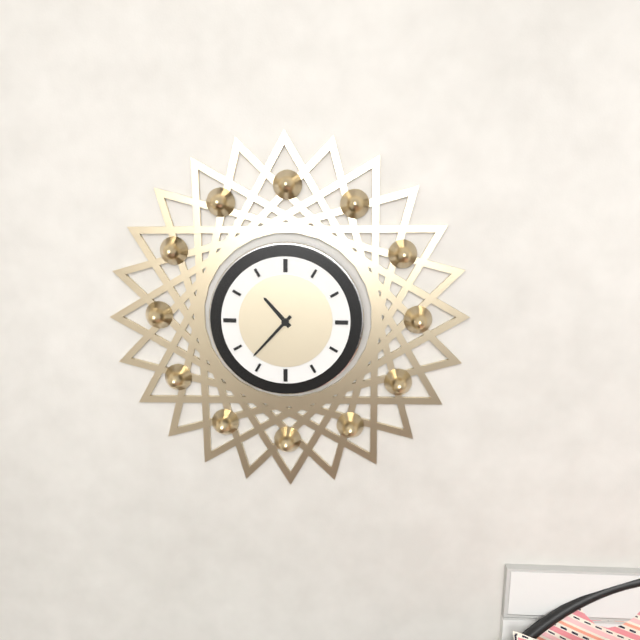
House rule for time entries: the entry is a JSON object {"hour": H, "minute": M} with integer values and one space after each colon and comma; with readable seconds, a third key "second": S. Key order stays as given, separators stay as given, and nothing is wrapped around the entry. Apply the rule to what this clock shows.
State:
{"hour": 10, "minute": 37}
